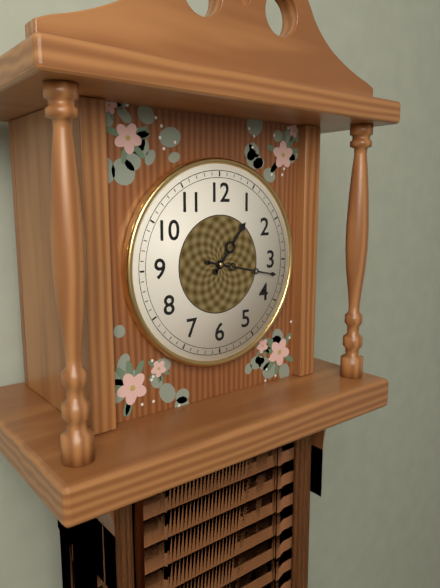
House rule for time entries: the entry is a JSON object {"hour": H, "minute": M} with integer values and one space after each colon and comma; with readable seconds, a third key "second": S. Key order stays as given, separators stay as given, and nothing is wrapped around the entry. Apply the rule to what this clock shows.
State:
{"hour": 1, "minute": 17}
